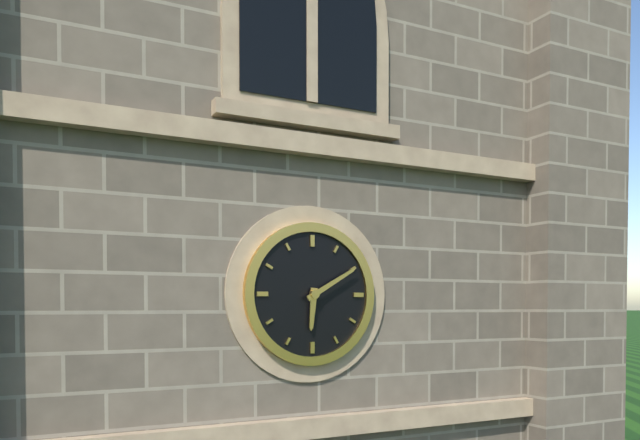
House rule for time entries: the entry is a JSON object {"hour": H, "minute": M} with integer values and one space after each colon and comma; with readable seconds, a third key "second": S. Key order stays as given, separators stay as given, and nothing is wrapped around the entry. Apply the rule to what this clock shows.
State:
{"hour": 6, "minute": 10}
